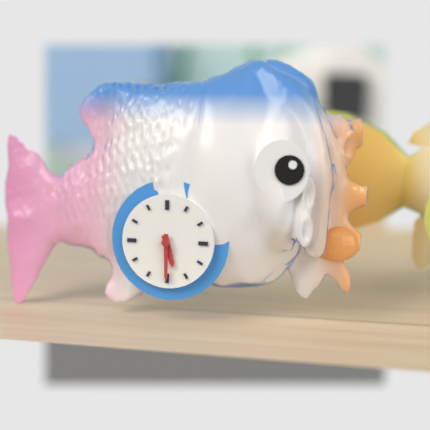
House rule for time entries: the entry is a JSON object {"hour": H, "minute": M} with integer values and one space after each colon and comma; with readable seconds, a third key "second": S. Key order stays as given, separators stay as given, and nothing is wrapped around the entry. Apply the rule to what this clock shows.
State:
{"hour": 5, "minute": 30}
